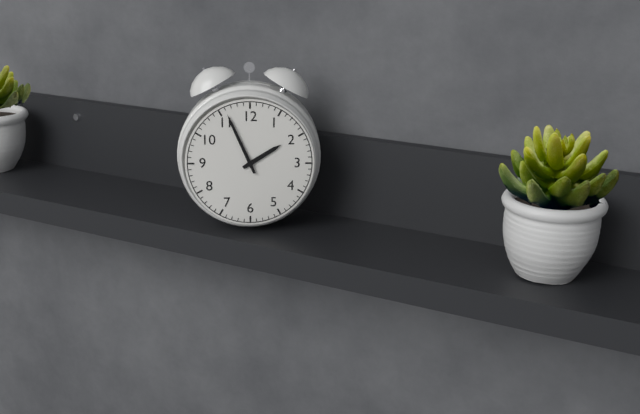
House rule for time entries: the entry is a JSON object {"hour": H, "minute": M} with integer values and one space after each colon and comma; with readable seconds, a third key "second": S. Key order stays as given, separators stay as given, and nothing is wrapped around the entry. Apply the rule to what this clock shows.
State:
{"hour": 1, "minute": 56}
